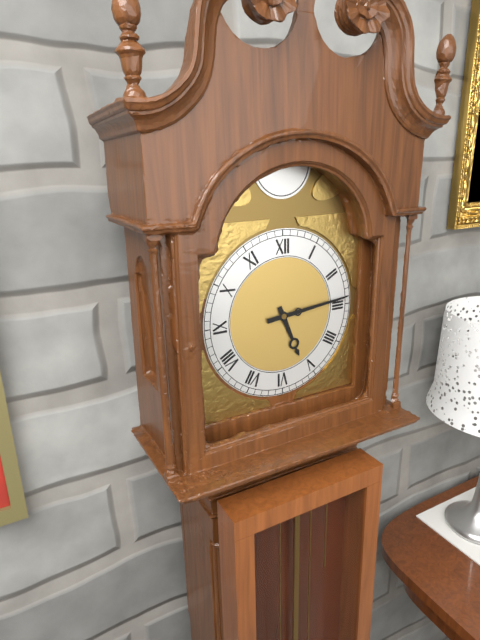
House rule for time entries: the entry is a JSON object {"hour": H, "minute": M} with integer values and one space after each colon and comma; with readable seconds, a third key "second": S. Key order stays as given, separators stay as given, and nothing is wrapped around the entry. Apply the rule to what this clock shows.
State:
{"hour": 5, "minute": 14}
